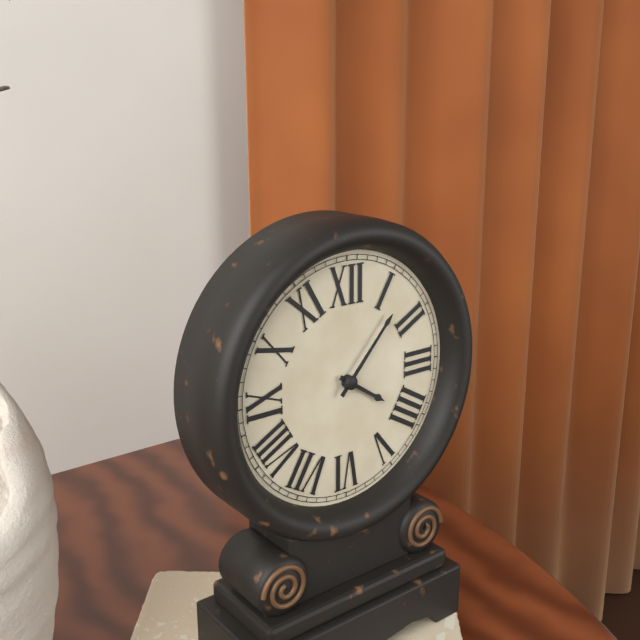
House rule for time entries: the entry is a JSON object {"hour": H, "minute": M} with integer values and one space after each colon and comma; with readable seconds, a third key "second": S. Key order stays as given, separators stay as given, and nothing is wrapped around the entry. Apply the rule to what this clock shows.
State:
{"hour": 4, "minute": 7}
